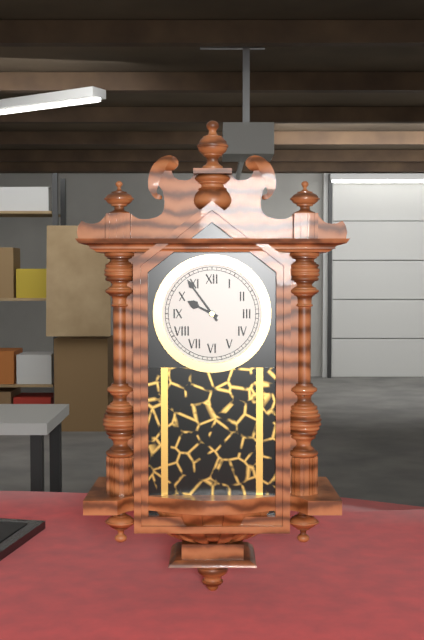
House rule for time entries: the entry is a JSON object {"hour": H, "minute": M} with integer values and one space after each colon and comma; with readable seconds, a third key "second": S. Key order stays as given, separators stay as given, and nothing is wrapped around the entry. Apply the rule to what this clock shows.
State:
{"hour": 9, "minute": 54}
